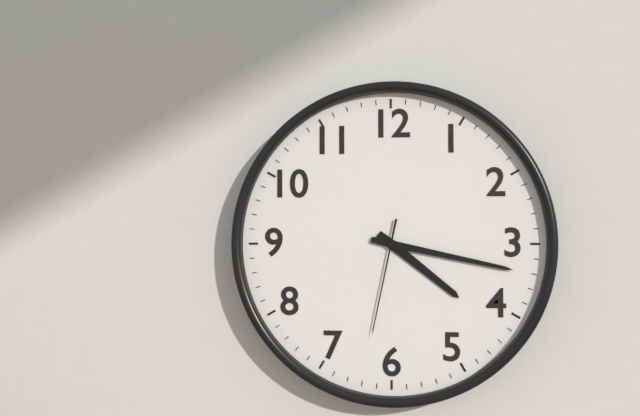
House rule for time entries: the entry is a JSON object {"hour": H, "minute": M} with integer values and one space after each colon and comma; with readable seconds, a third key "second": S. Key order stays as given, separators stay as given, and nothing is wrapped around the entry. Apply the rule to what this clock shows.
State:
{"hour": 4, "minute": 17, "second": 32}
